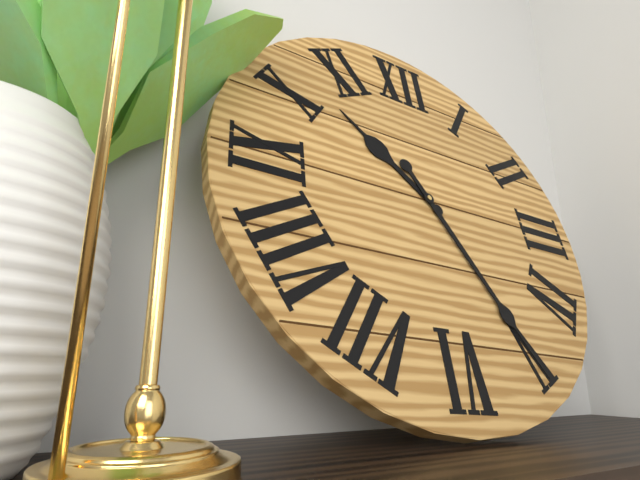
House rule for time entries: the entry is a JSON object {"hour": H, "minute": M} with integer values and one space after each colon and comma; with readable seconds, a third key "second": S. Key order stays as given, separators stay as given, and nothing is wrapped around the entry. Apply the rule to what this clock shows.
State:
{"hour": 10, "minute": 25}
